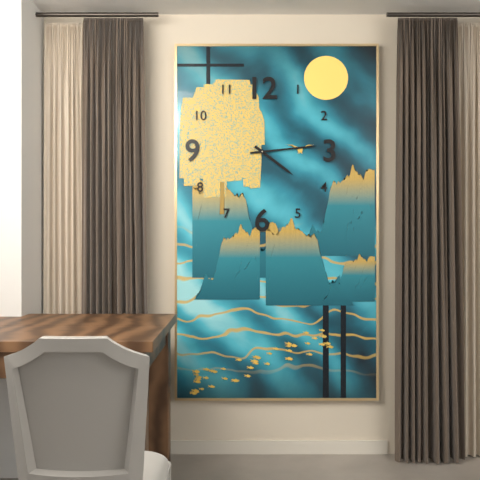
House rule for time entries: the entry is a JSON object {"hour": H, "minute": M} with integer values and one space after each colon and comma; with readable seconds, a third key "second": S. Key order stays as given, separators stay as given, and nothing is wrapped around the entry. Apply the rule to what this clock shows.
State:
{"hour": 4, "minute": 14}
